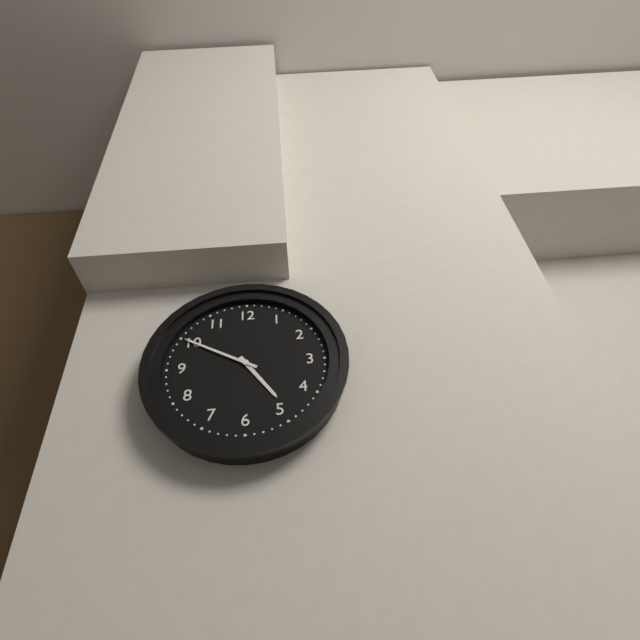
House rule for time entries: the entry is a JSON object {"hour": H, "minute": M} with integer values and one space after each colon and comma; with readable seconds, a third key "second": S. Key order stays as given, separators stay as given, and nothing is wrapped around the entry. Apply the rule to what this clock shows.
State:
{"hour": 4, "minute": 50}
